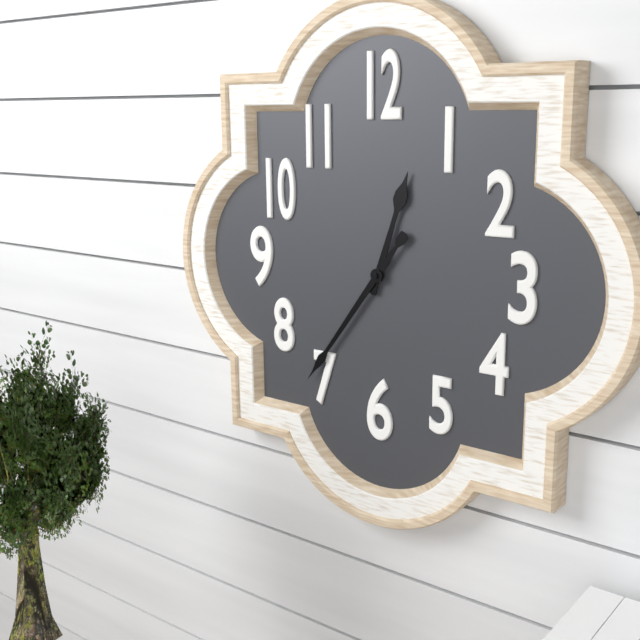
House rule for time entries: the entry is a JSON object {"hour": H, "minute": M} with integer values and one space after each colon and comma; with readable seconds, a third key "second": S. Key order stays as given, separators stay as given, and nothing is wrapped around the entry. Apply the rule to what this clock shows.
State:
{"hour": 12, "minute": 36}
